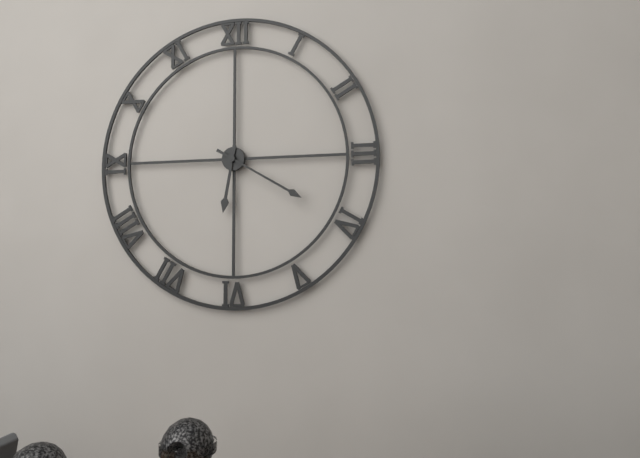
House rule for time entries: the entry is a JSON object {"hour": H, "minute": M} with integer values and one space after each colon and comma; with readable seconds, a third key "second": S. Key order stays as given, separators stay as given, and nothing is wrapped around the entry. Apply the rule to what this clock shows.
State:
{"hour": 6, "minute": 20}
